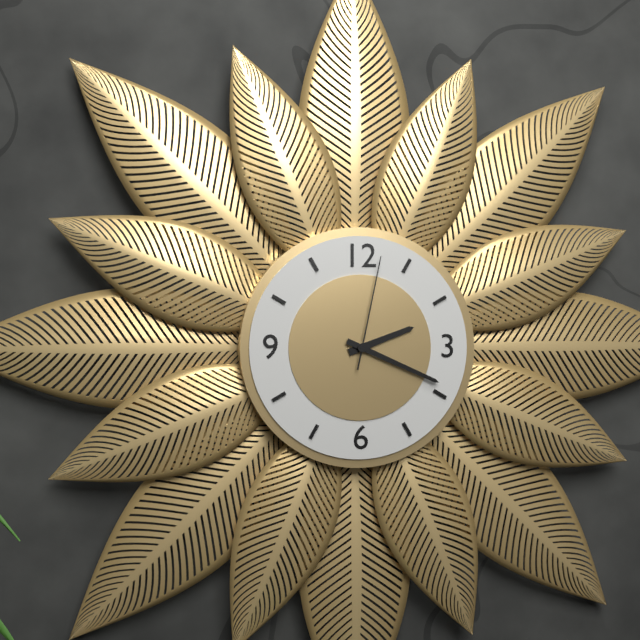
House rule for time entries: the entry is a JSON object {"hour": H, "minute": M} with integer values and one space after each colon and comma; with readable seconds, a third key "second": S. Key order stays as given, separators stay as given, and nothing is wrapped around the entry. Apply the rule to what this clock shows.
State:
{"hour": 2, "minute": 19, "second": 2}
